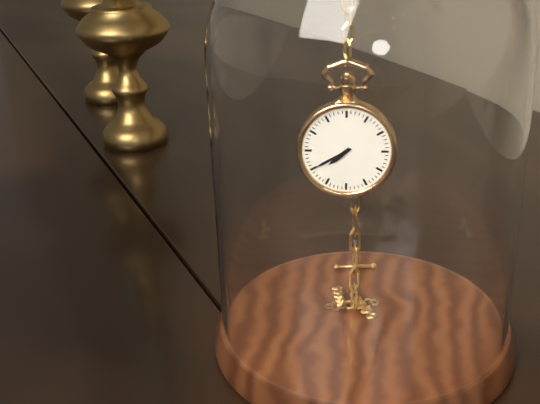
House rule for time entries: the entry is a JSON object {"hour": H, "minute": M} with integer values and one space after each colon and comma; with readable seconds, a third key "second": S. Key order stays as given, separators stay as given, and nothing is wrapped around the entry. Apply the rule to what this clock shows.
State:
{"hour": 7, "minute": 40}
